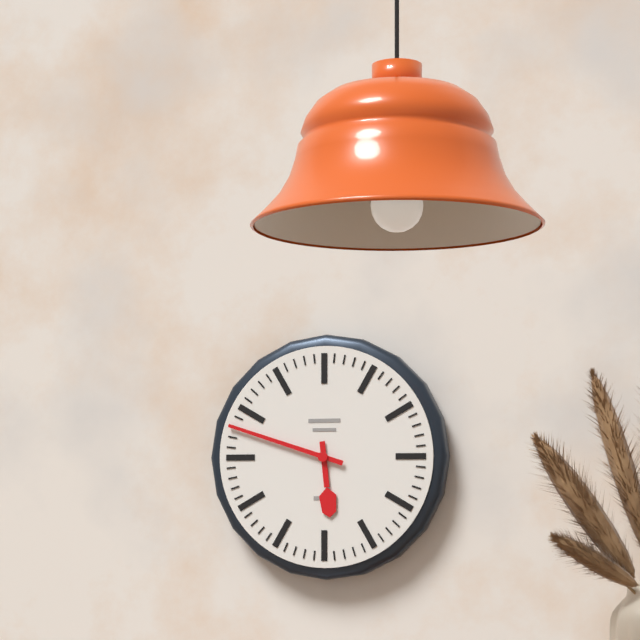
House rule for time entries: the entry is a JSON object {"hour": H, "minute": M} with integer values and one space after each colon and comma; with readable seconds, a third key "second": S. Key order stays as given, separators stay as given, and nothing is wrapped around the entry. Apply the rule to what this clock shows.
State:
{"hour": 5, "minute": 48}
